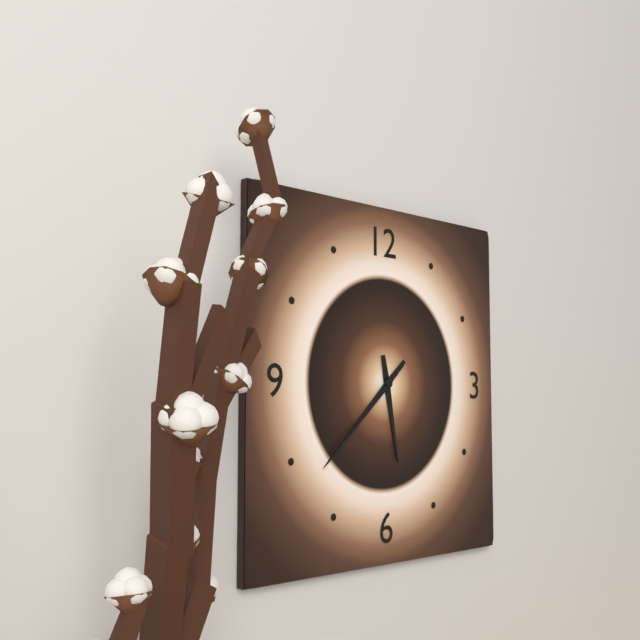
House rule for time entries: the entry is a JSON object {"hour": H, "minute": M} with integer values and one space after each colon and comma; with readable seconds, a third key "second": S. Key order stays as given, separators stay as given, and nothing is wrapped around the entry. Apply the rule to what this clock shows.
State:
{"hour": 5, "minute": 38}
